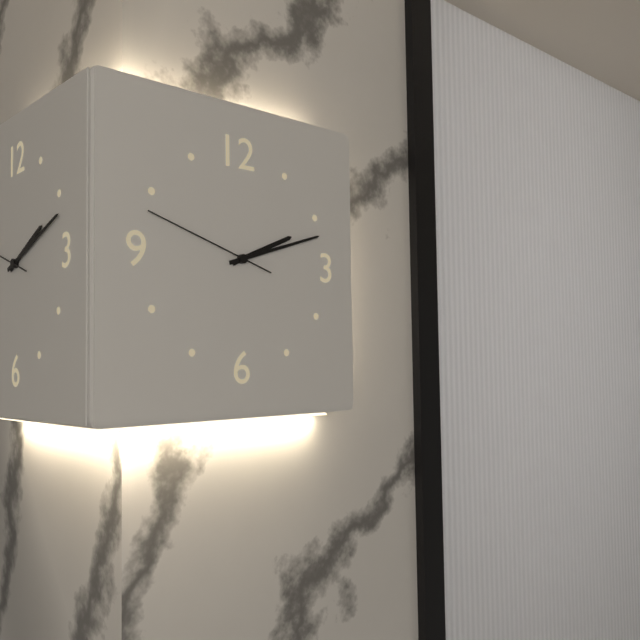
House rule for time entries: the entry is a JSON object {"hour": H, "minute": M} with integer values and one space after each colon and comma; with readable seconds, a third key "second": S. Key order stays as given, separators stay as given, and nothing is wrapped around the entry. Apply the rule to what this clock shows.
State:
{"hour": 2, "minute": 12, "second": 48}
